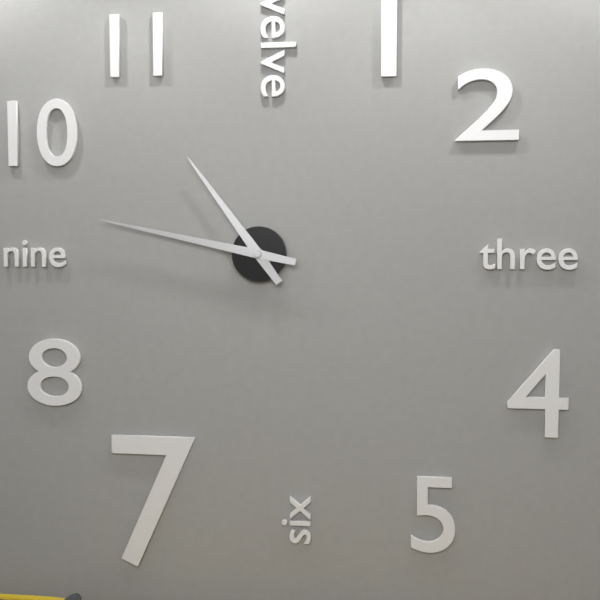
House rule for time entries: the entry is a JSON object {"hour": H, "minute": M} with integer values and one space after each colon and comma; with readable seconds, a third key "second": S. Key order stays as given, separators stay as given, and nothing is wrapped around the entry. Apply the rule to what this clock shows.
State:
{"hour": 10, "minute": 47}
